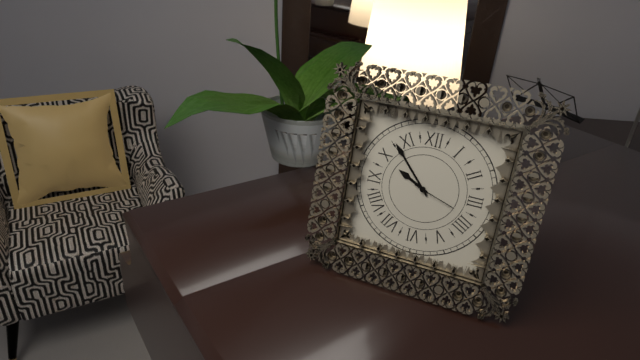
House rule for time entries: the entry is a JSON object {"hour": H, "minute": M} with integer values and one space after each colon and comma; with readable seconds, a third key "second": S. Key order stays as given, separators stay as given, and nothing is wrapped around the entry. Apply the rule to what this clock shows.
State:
{"hour": 9, "minute": 53}
